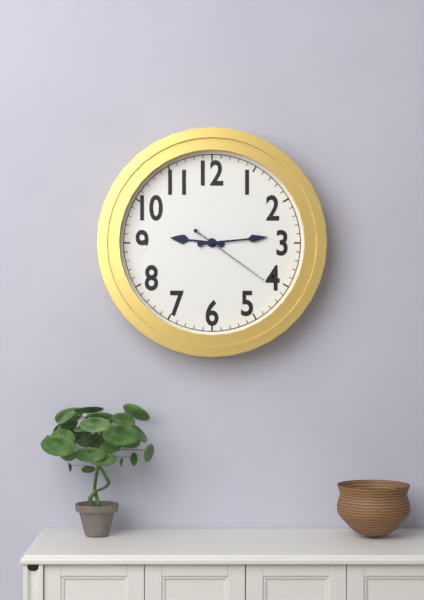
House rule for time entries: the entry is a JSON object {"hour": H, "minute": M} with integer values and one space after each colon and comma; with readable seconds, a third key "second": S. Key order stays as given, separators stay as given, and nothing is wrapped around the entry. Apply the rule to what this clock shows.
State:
{"hour": 9, "minute": 14, "second": 21}
